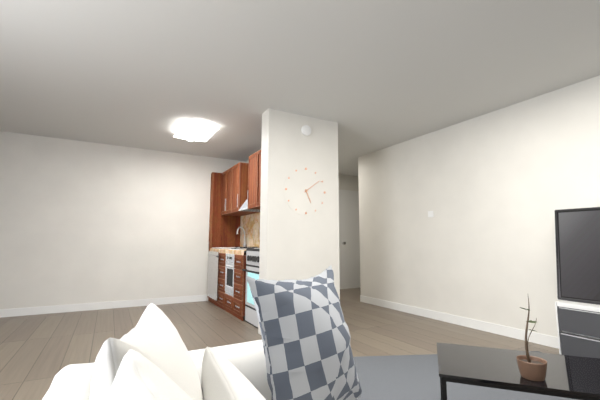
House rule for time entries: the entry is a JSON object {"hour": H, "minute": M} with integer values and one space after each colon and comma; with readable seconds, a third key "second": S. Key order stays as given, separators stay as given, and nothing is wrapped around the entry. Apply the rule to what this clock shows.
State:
{"hour": 5, "minute": 9}
